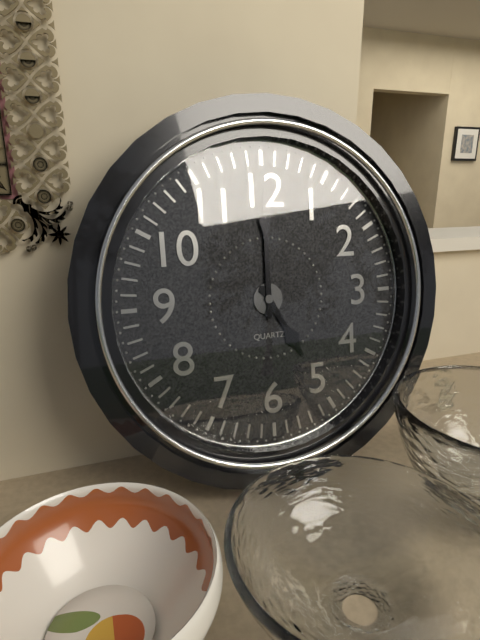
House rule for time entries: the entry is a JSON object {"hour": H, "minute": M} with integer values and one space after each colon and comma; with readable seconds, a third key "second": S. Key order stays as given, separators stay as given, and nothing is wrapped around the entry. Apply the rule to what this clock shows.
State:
{"hour": 5, "minute": 0}
